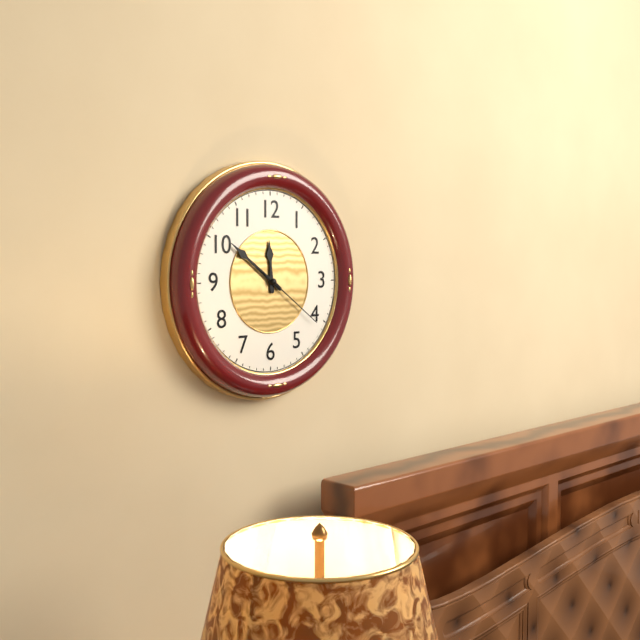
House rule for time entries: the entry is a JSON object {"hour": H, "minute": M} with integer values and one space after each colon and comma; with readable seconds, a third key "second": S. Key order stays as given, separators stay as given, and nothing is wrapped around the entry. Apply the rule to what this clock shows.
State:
{"hour": 11, "minute": 51, "second": 21}
